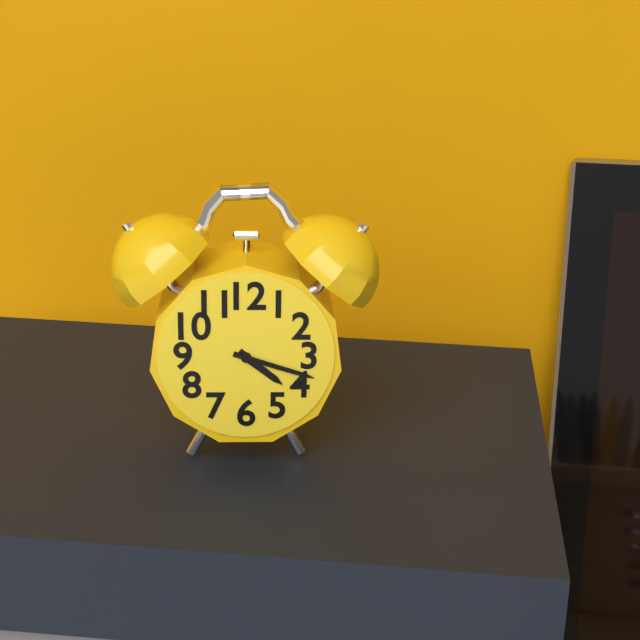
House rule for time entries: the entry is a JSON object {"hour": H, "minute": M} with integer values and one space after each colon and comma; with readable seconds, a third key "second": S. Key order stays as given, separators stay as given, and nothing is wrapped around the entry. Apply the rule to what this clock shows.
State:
{"hour": 4, "minute": 18}
